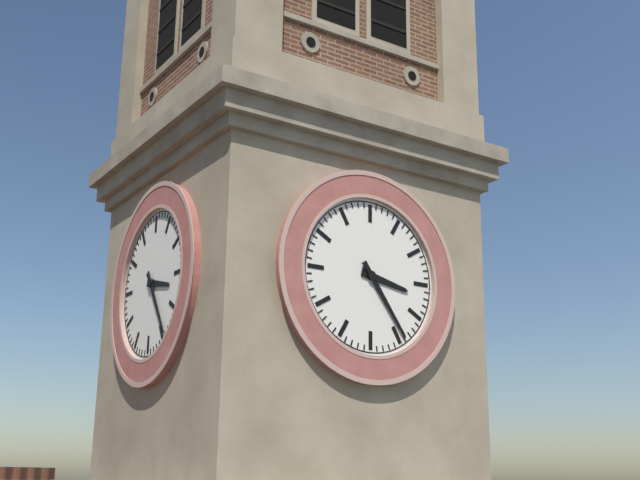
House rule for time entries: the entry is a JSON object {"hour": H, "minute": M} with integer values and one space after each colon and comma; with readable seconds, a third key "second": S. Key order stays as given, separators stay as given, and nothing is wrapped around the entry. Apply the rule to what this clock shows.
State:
{"hour": 3, "minute": 24}
